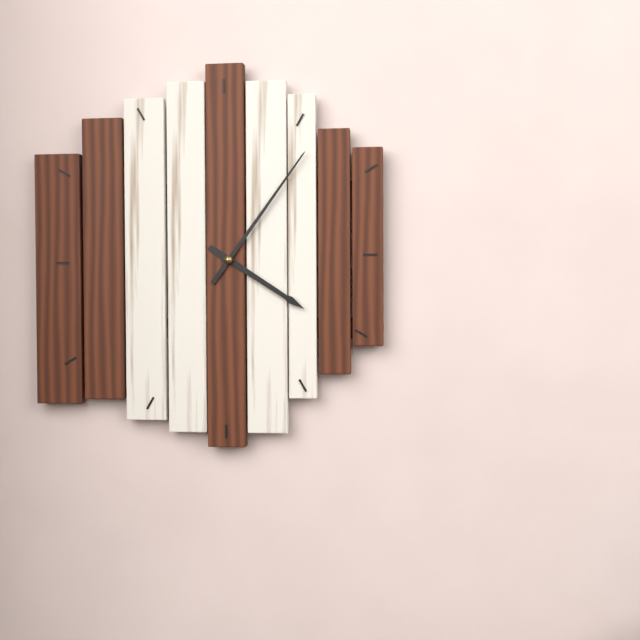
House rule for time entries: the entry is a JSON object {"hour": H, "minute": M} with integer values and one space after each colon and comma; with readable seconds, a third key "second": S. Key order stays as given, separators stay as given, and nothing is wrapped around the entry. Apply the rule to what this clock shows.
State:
{"hour": 4, "minute": 6}
